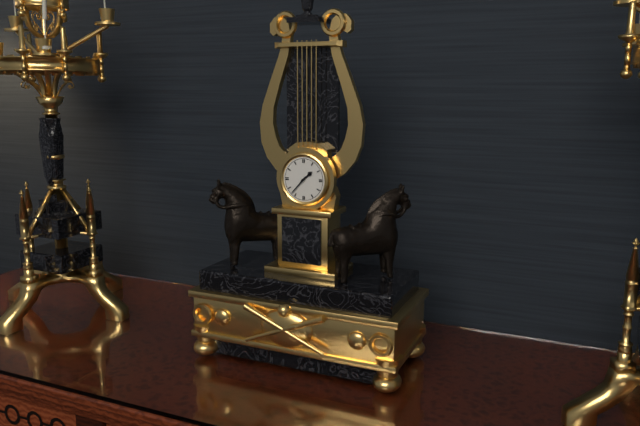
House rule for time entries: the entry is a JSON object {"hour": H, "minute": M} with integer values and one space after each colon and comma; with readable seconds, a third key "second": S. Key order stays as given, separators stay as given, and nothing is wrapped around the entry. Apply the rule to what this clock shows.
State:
{"hour": 1, "minute": 37}
